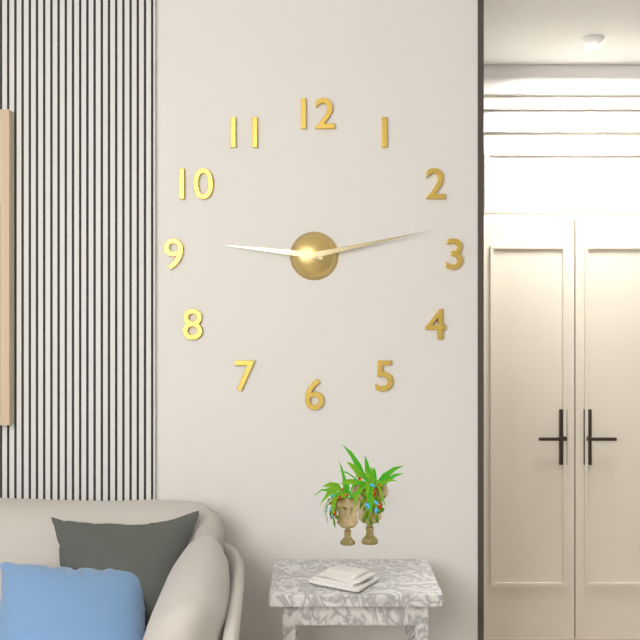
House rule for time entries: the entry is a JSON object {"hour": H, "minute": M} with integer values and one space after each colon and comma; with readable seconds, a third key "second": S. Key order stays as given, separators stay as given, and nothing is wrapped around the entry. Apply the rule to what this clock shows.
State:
{"hour": 9, "minute": 13}
